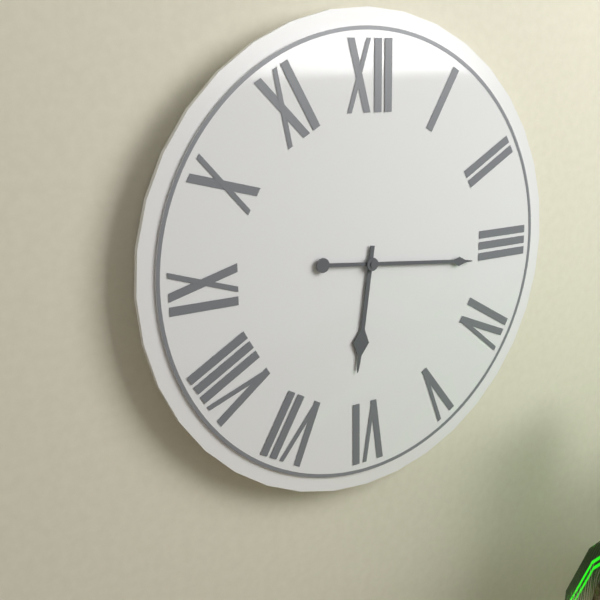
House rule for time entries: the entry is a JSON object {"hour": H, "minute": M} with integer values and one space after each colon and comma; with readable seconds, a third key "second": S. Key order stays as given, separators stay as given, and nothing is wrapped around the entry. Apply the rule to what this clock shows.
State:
{"hour": 6, "minute": 16}
